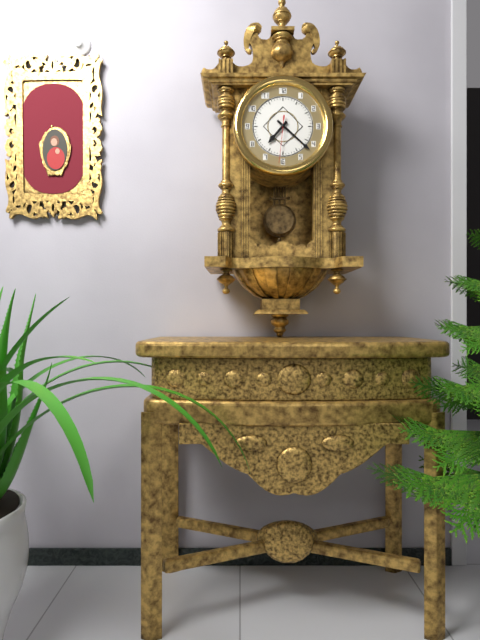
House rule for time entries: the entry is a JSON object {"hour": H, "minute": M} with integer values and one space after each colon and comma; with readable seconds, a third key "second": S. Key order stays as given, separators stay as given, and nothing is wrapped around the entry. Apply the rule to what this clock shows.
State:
{"hour": 7, "minute": 22}
